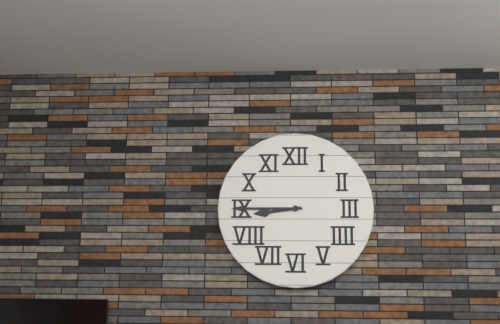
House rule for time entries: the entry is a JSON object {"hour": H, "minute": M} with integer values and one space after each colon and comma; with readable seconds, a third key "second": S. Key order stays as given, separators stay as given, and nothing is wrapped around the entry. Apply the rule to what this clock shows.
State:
{"hour": 8, "minute": 45}
